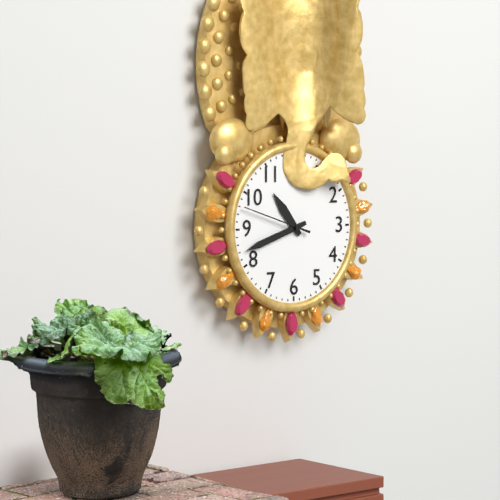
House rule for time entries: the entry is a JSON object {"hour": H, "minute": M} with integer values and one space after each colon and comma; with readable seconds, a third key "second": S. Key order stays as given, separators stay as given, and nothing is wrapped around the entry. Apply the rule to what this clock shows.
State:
{"hour": 10, "minute": 42, "second": 48}
